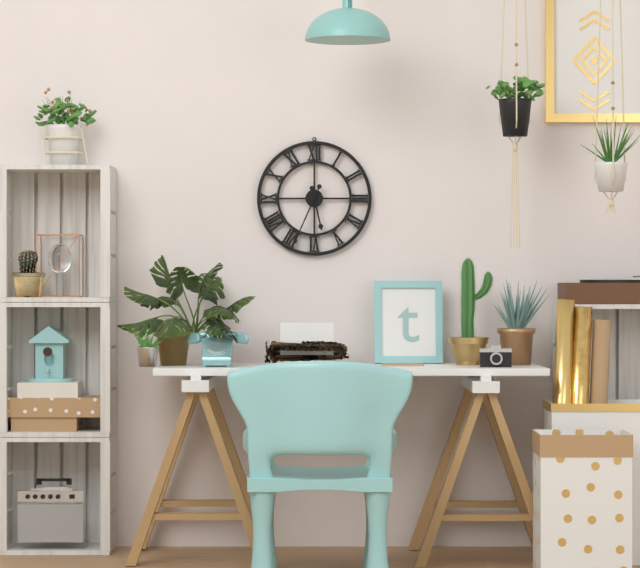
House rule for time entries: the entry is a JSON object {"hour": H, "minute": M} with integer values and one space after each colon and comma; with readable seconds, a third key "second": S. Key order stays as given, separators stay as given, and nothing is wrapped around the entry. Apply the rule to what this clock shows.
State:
{"hour": 5, "minute": 34}
